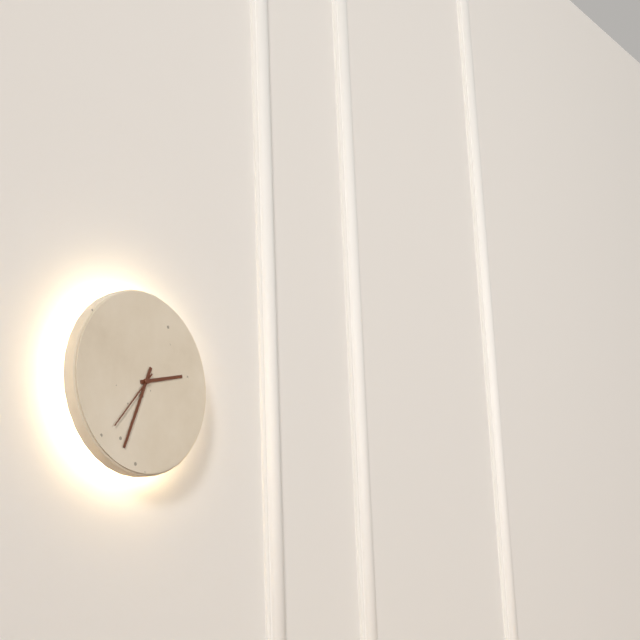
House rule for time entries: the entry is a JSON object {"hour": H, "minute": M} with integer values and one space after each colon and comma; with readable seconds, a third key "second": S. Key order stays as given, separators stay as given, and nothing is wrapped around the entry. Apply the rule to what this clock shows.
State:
{"hour": 2, "minute": 34, "second": 37}
